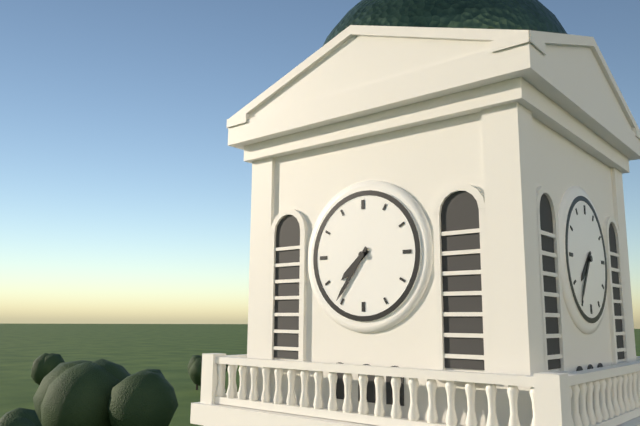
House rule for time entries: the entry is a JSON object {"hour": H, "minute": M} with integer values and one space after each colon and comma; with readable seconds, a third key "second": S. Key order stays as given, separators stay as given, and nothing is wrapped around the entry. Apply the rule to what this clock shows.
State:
{"hour": 7, "minute": 36}
